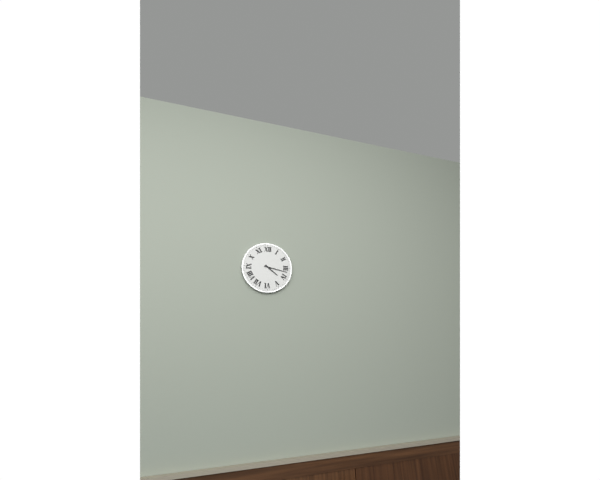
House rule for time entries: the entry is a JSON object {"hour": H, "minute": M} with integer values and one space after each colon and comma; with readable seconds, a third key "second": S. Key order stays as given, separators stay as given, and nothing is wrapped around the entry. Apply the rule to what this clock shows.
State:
{"hour": 4, "minute": 17}
